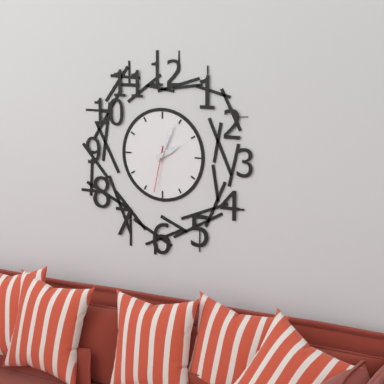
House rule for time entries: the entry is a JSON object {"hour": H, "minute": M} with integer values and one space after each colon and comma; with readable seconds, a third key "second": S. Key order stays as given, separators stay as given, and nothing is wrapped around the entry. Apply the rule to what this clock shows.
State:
{"hour": 2, "minute": 4}
